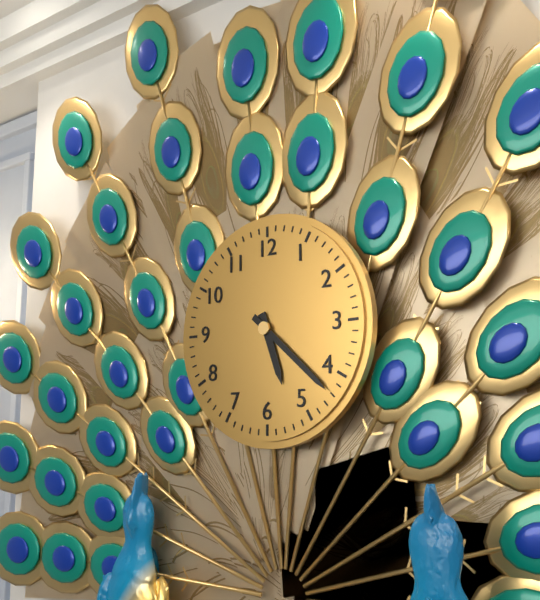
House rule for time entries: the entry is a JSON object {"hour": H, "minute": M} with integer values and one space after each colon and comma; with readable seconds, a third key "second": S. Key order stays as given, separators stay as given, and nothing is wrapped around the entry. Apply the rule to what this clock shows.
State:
{"hour": 5, "minute": 22}
